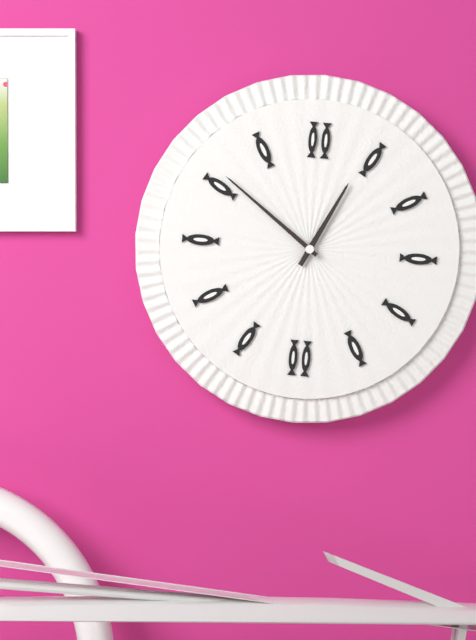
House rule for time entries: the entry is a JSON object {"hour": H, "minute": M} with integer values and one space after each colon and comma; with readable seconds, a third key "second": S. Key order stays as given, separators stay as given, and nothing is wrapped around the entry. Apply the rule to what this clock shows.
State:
{"hour": 12, "minute": 51}
